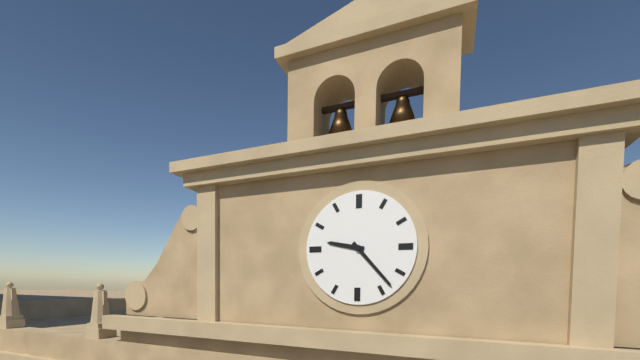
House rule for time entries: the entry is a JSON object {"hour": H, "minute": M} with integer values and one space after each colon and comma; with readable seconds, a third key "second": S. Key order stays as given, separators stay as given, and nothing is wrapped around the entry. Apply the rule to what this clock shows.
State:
{"hour": 9, "minute": 23}
